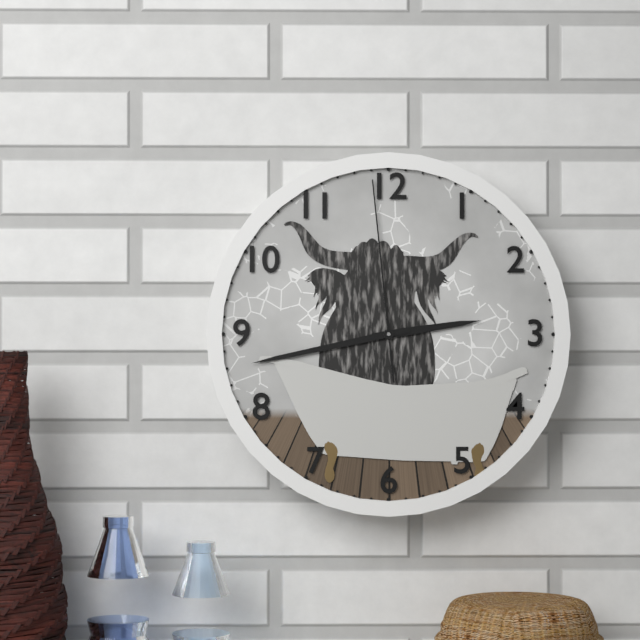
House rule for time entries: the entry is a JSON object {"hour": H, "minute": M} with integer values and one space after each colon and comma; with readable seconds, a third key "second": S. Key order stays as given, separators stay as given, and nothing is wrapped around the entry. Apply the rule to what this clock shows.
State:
{"hour": 2, "minute": 43, "second": 59}
